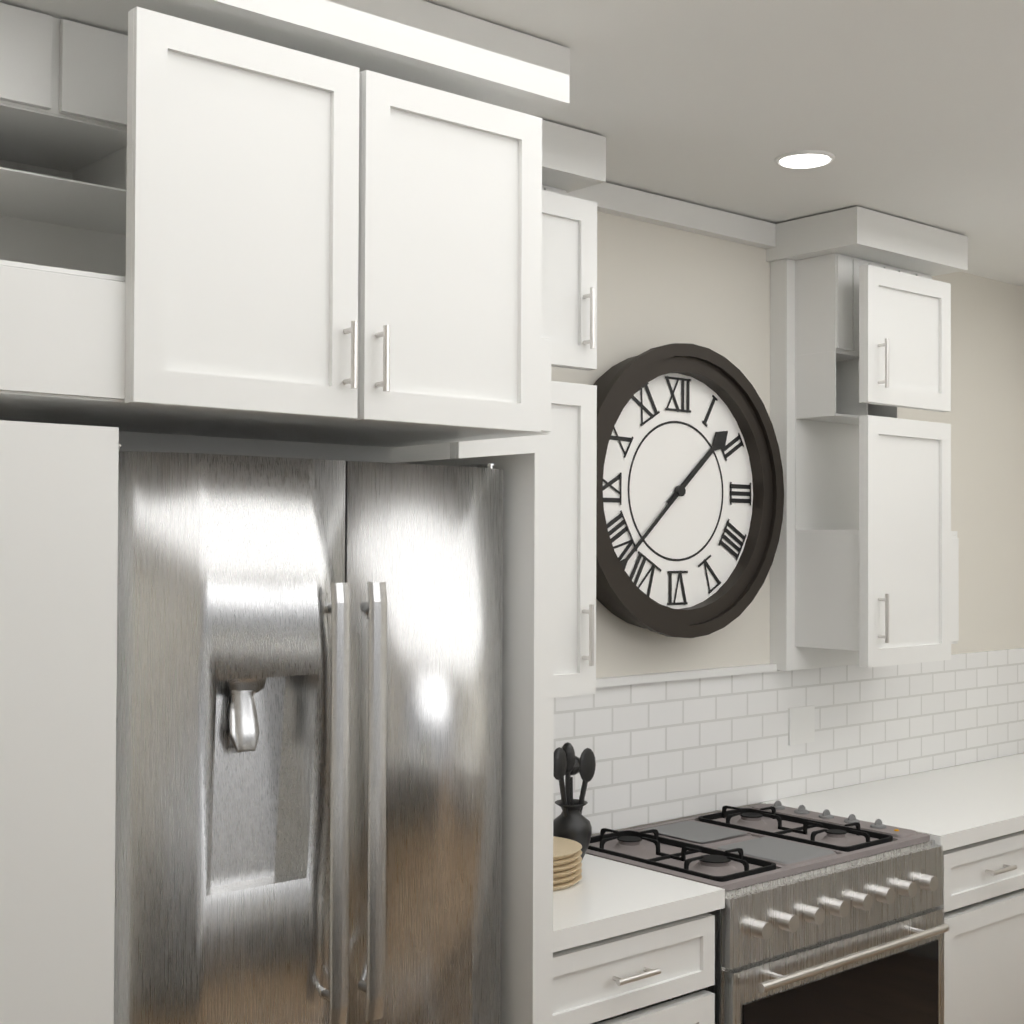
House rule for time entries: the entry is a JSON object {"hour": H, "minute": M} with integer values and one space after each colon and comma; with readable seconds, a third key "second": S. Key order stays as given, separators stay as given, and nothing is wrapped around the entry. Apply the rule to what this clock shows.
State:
{"hour": 1, "minute": 38}
